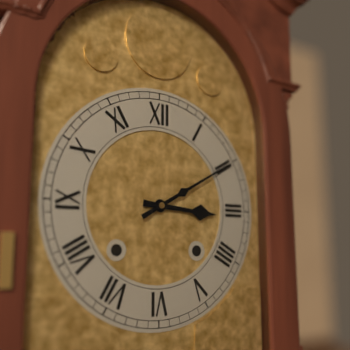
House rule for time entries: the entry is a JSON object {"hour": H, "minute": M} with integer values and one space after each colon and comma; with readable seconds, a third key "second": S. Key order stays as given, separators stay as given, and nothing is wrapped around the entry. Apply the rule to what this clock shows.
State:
{"hour": 3, "minute": 10}
